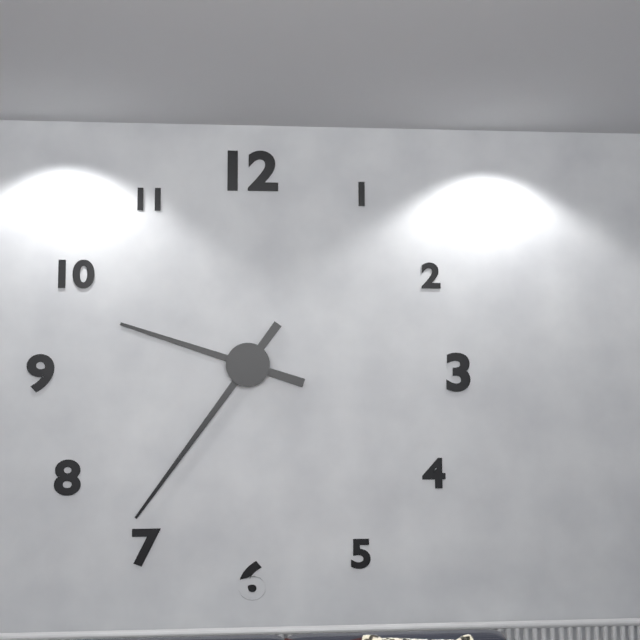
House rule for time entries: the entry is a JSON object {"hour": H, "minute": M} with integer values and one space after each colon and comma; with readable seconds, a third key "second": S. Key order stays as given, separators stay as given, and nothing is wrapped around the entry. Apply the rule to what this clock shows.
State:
{"hour": 9, "minute": 36}
